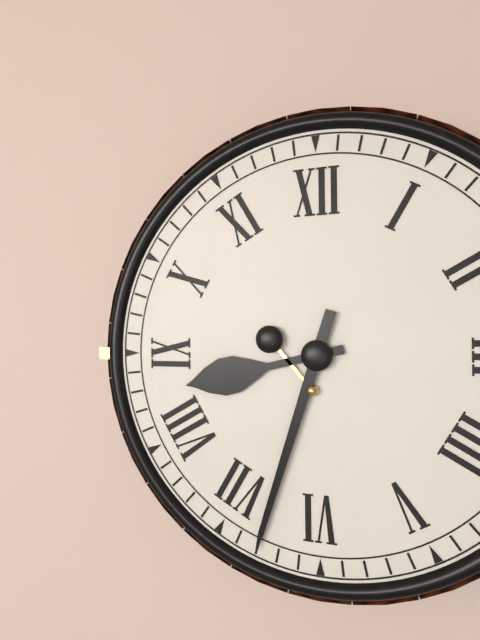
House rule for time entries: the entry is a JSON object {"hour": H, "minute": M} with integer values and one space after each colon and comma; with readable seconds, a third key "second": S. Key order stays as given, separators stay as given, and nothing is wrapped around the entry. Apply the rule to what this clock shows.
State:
{"hour": 8, "minute": 33}
